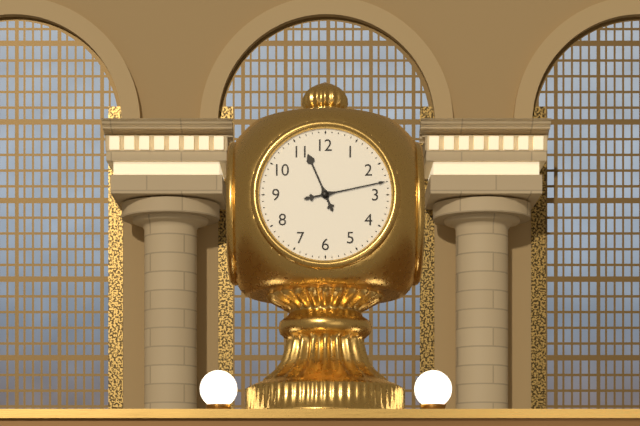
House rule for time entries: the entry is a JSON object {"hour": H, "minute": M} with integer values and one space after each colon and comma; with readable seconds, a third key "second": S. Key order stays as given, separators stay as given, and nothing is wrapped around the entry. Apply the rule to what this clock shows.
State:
{"hour": 11, "minute": 13}
